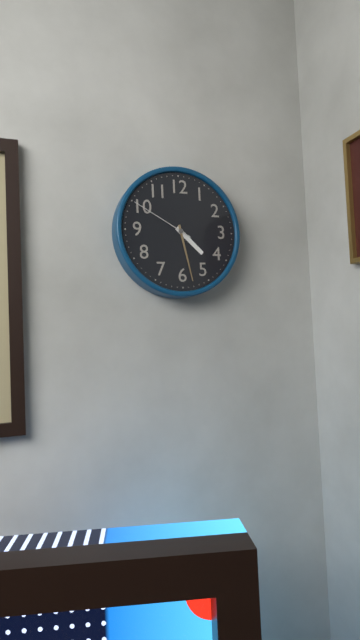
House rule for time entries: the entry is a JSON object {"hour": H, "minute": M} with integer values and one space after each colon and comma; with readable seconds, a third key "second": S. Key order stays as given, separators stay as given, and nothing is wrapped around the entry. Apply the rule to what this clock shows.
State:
{"hour": 4, "minute": 28, "second": 50}
